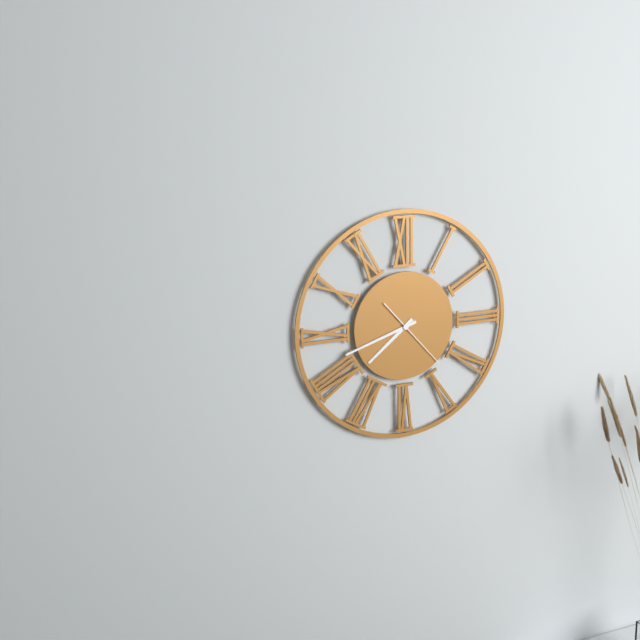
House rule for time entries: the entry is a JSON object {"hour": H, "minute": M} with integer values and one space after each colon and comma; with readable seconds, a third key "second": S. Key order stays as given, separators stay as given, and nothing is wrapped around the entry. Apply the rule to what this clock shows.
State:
{"hour": 7, "minute": 42, "second": 23}
